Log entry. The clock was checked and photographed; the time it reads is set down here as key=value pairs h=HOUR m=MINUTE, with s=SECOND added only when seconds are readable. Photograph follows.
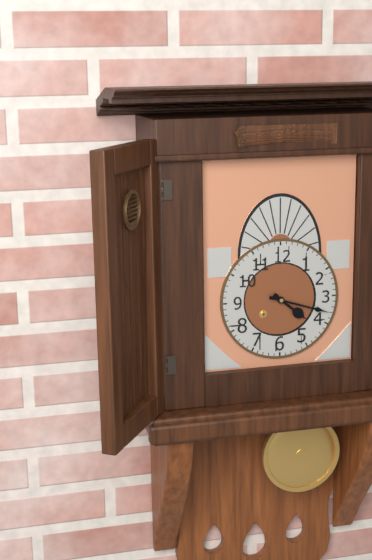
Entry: h=4 m=18
